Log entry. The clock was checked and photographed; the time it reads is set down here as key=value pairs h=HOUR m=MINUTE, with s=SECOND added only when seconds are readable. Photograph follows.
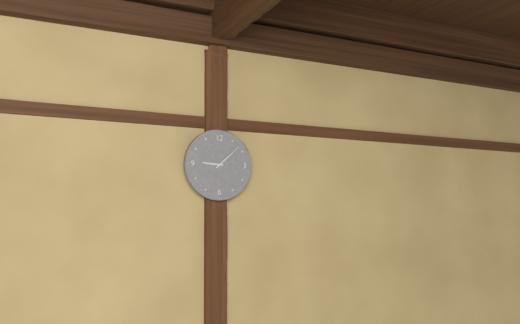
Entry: h=9 m=8
